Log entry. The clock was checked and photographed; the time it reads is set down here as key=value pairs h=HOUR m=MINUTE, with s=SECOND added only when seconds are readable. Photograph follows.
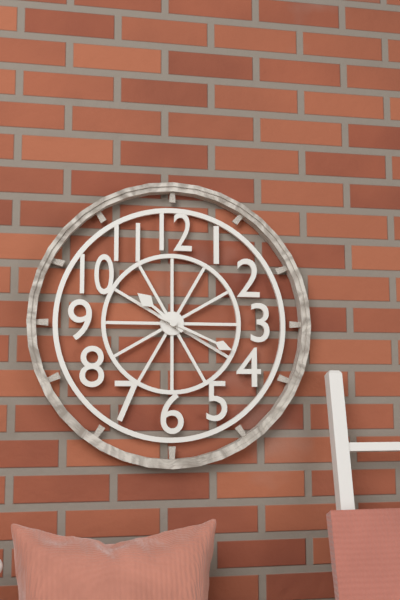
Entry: h=10 m=19
